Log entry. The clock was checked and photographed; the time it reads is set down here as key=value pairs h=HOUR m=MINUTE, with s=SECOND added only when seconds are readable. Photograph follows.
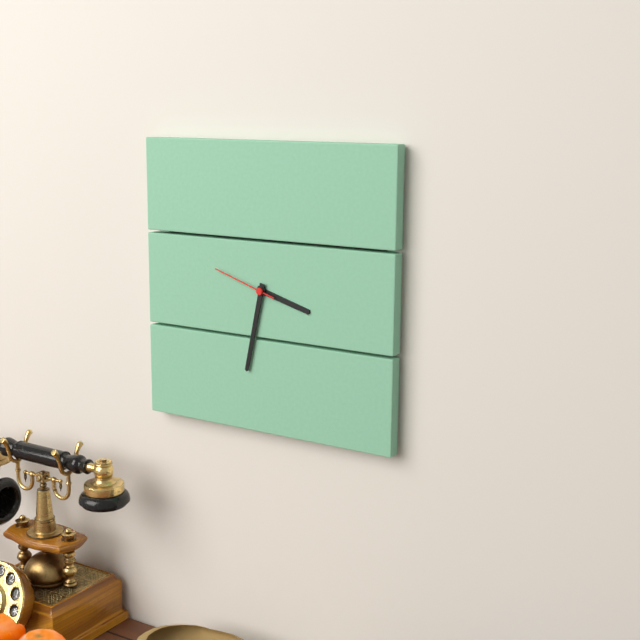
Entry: h=3 m=32 s=48
